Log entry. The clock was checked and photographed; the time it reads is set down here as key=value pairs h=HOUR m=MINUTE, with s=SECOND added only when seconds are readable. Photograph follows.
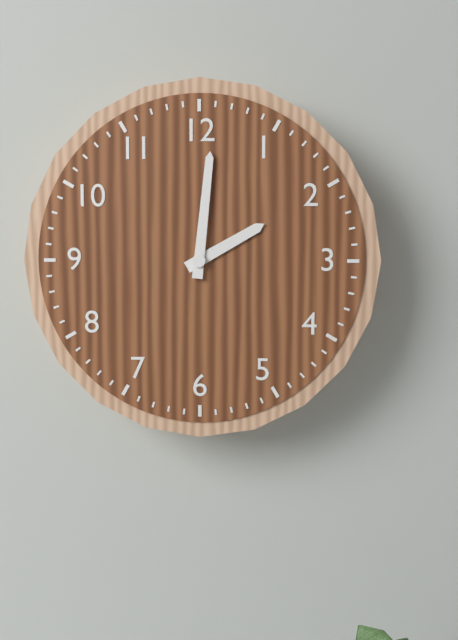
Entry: h=2 m=1
